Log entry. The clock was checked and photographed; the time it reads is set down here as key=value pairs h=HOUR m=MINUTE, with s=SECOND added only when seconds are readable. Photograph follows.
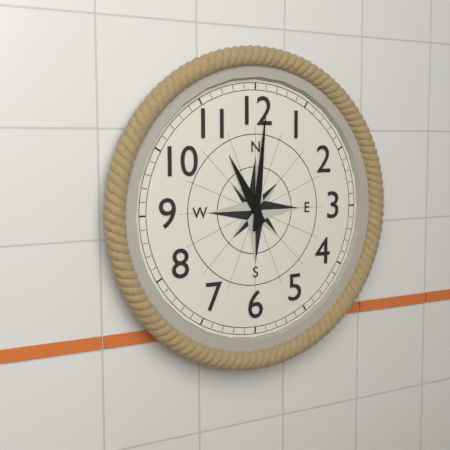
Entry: h=11 m=1
